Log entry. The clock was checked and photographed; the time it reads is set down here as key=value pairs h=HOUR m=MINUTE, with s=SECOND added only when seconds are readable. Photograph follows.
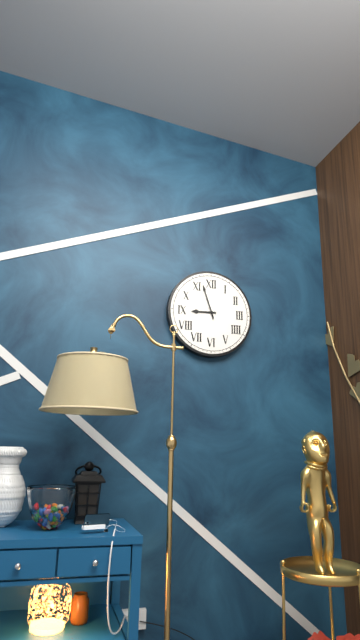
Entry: h=8 m=57
